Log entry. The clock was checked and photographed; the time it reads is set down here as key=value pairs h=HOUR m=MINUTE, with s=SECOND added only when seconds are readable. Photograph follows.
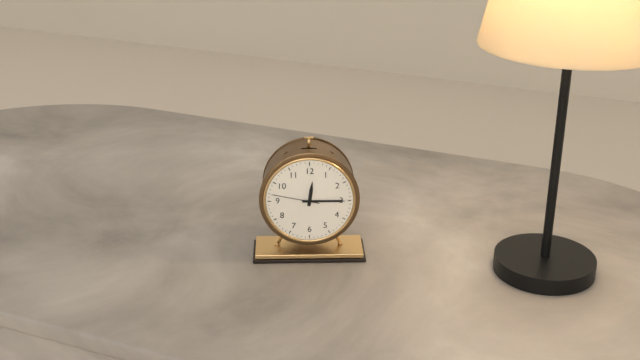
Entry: h=12 m=15
